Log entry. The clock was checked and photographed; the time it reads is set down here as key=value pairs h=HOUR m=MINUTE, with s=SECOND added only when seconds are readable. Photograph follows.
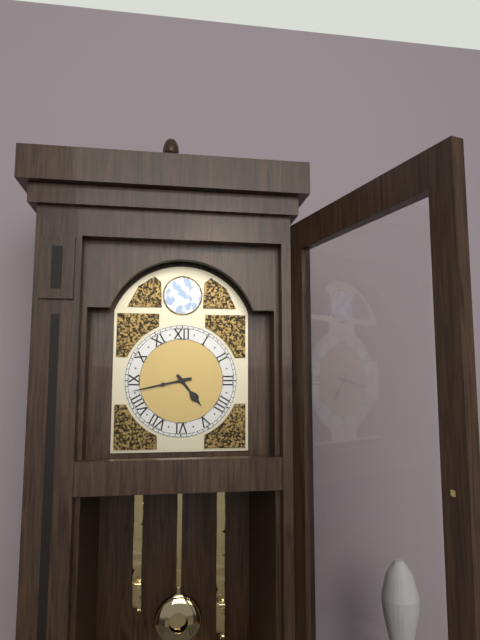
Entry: h=4 m=43
